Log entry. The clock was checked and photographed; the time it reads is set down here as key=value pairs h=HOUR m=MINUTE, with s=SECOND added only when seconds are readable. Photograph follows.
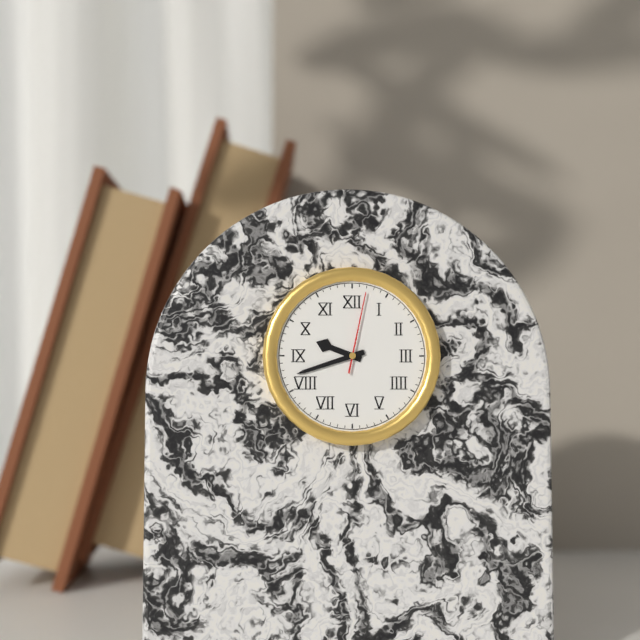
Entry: h=9 m=42 s=2
